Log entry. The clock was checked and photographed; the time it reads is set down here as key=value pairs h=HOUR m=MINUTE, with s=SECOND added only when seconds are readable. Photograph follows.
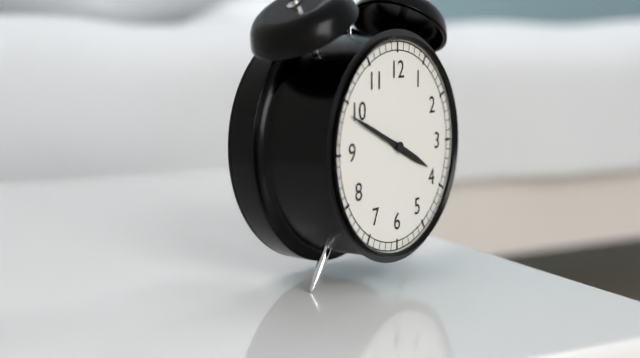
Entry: h=3 m=49
